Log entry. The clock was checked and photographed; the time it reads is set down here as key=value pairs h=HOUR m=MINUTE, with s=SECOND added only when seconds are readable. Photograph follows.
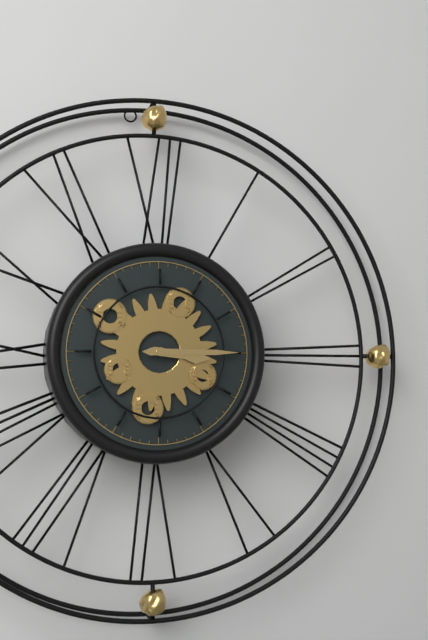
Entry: h=3 m=15
